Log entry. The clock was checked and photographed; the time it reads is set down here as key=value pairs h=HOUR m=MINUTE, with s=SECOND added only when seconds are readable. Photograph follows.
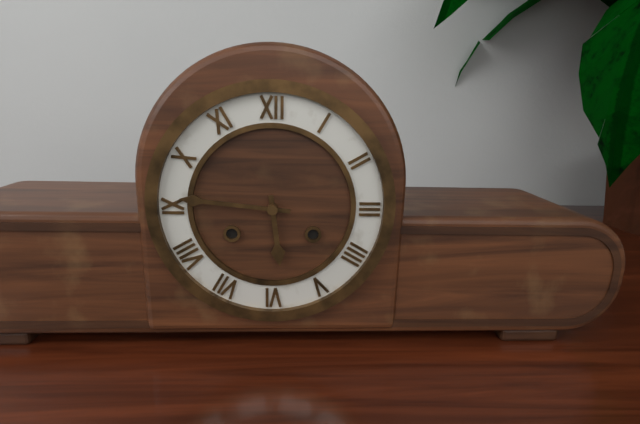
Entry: h=5 m=46
